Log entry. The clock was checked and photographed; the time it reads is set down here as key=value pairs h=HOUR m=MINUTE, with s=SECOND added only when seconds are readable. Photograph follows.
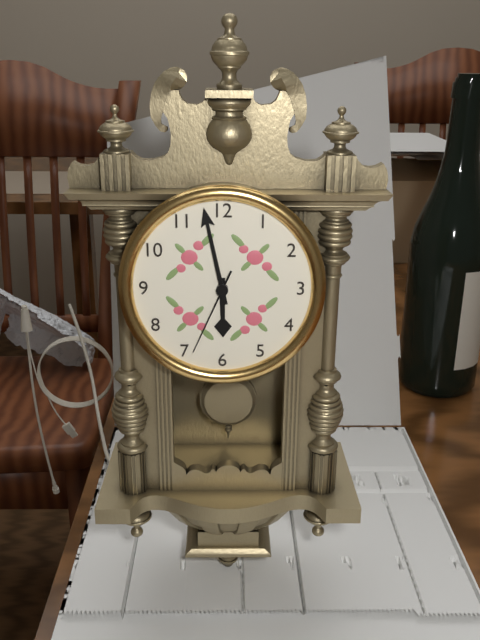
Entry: h=5 m=58 s=34
